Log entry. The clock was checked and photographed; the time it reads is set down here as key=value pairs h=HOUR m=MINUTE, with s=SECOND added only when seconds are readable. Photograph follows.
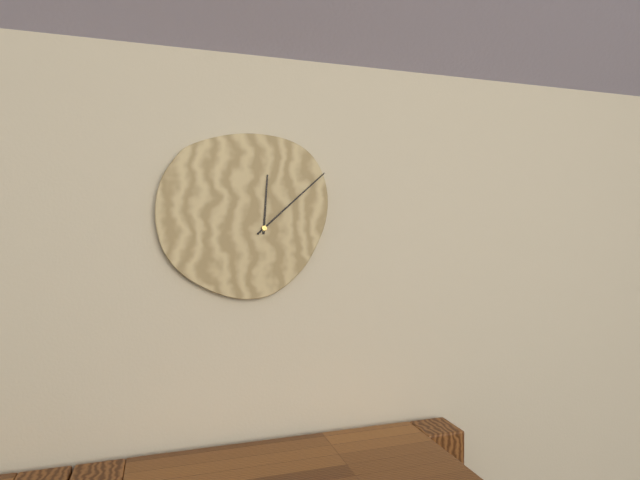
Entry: h=12 m=8
